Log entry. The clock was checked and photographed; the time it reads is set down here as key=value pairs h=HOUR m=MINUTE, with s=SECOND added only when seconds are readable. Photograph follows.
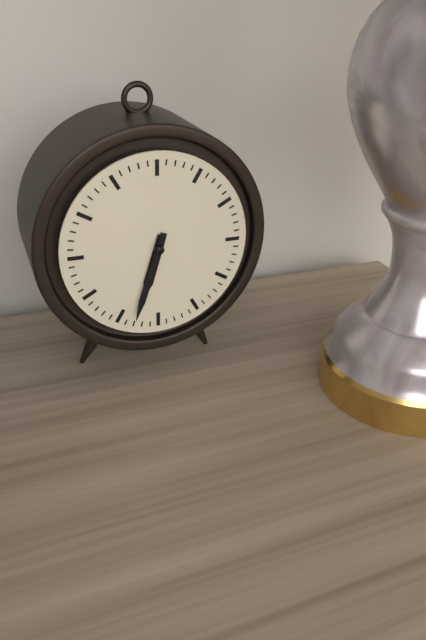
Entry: h=6 m=33
